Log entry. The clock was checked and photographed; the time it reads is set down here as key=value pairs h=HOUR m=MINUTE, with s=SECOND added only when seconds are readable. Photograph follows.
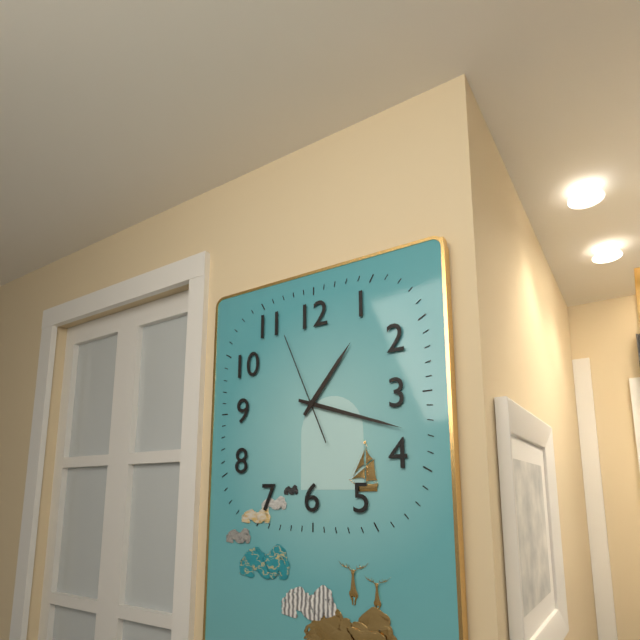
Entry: h=1 m=18 s=56
